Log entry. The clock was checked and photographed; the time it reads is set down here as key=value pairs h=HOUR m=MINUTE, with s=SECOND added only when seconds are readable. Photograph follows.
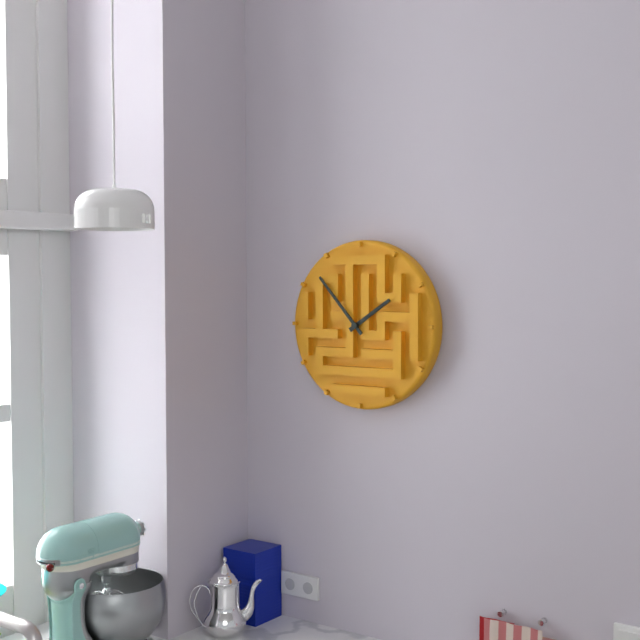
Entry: h=1 m=53
